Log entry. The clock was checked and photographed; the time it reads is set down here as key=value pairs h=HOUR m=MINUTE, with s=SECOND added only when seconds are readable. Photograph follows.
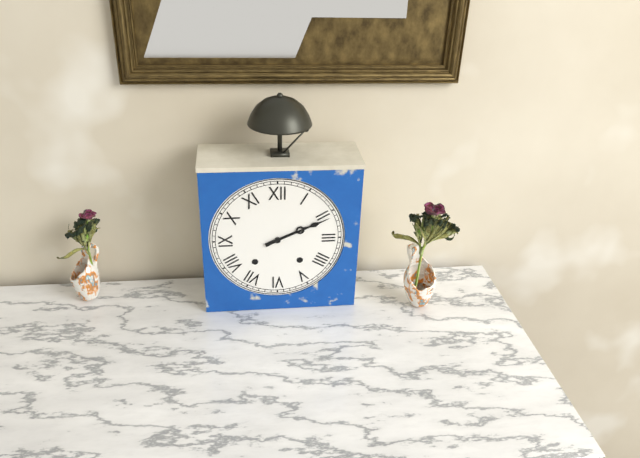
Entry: h=2 m=11
